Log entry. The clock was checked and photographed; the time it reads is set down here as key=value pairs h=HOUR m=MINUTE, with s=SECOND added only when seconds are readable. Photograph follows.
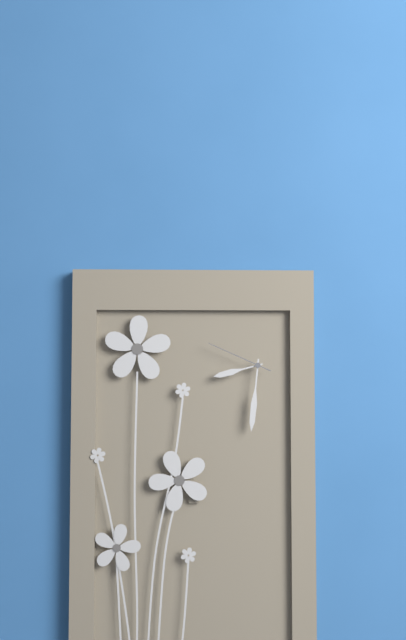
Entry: h=8 m=31 s=49
